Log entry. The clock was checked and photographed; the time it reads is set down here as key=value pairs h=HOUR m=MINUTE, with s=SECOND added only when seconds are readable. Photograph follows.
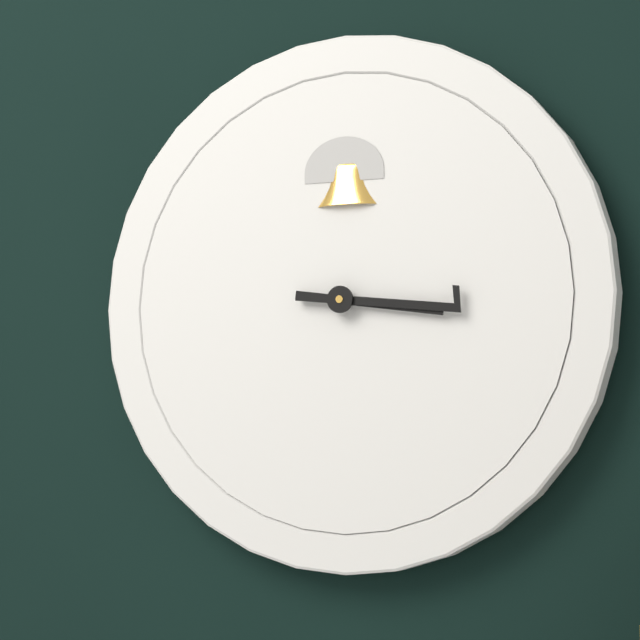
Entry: h=3 m=16
